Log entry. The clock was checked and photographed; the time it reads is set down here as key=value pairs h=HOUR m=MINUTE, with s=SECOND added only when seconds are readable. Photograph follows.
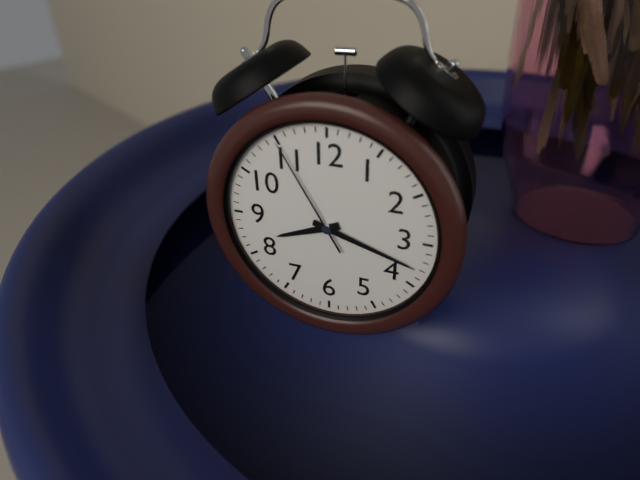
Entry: h=8 m=18 s=55
